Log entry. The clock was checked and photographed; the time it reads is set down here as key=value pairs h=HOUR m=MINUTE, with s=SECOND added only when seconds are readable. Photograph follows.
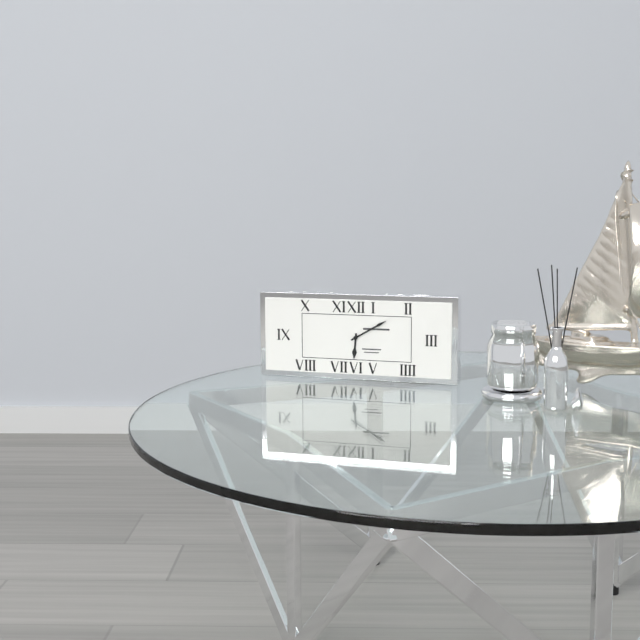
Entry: h=6 m=10
